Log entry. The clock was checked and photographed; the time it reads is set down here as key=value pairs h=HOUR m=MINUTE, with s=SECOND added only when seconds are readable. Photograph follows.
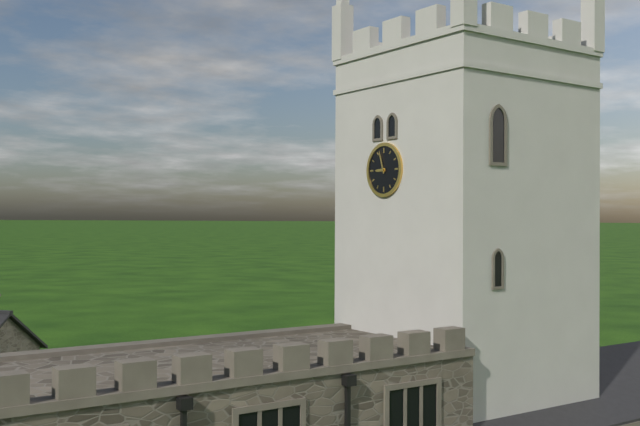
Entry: h=8 m=57
